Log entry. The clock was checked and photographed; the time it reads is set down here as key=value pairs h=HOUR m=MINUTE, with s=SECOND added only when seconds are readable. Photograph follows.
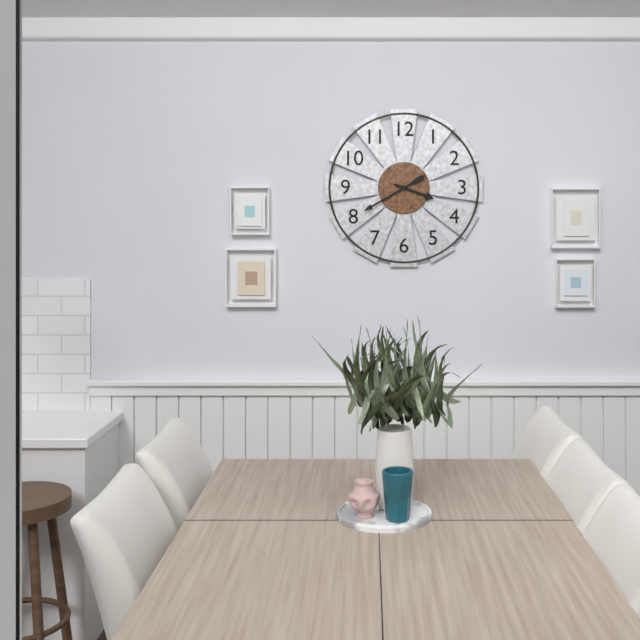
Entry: h=3 m=40
